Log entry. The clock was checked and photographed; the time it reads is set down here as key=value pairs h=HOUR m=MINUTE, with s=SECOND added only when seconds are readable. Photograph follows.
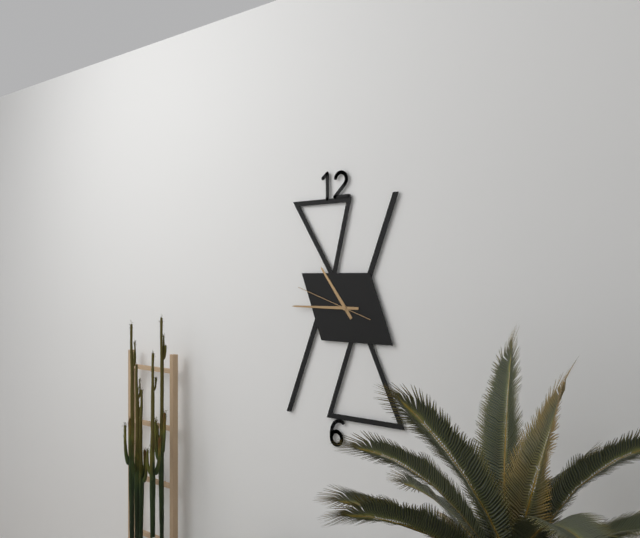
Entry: h=10 m=45 s=48
